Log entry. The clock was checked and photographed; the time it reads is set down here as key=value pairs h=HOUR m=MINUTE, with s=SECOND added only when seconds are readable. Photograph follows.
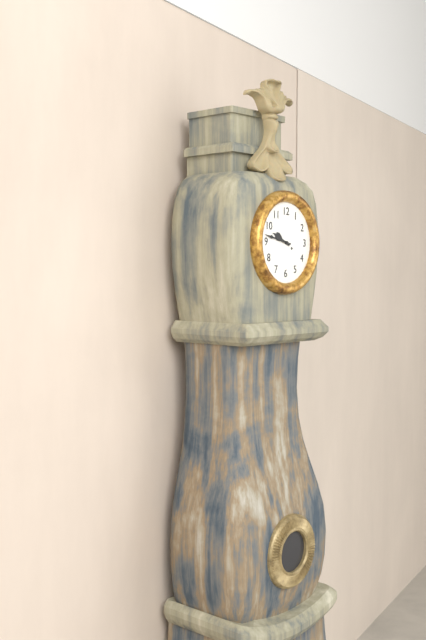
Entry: h=9 m=47
